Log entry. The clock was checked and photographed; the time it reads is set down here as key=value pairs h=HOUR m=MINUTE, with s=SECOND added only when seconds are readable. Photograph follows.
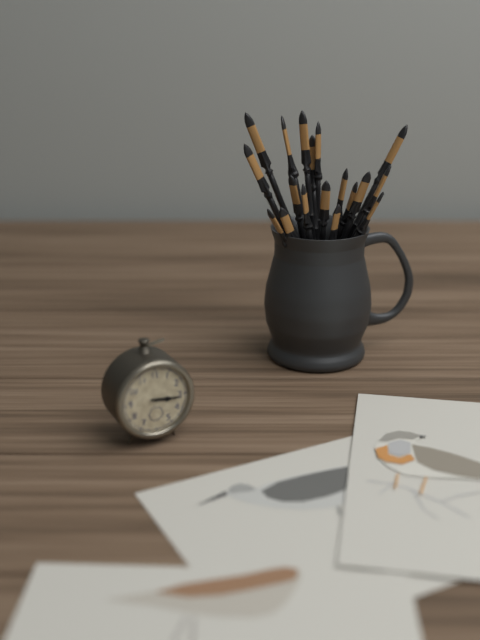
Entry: h=3 m=16
